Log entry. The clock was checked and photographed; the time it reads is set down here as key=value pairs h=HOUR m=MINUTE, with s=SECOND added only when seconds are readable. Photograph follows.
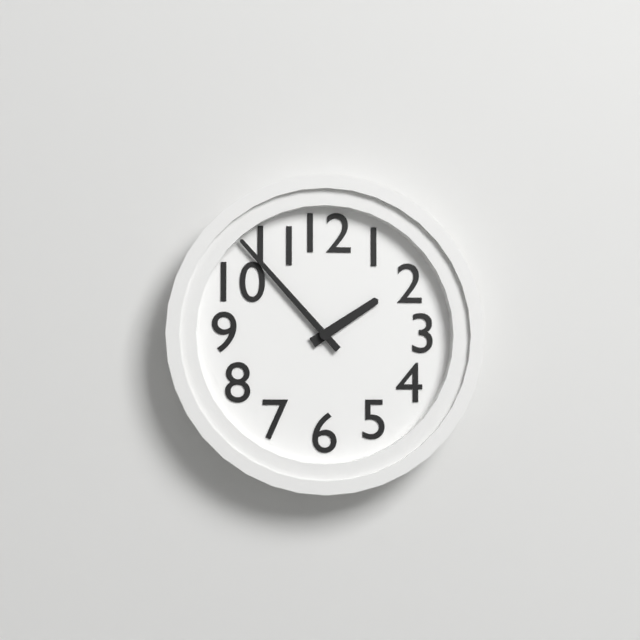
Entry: h=1 m=53
